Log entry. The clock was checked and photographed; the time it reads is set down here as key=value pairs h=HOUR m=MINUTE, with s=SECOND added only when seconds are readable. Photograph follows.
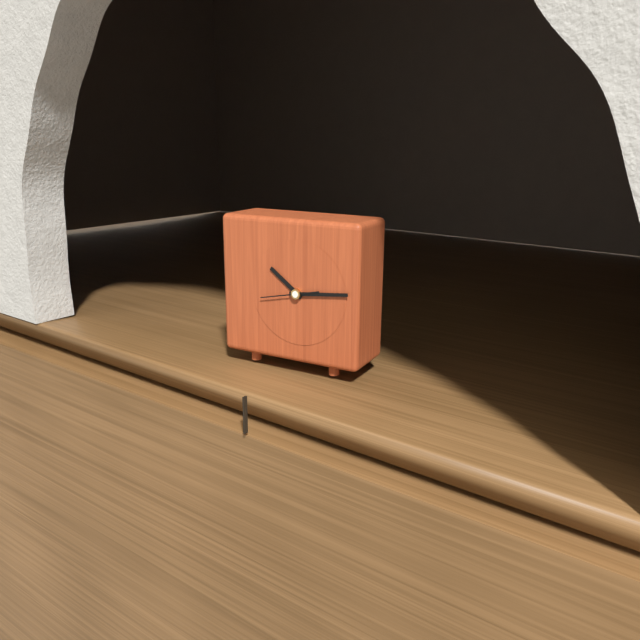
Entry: h=10 m=14
